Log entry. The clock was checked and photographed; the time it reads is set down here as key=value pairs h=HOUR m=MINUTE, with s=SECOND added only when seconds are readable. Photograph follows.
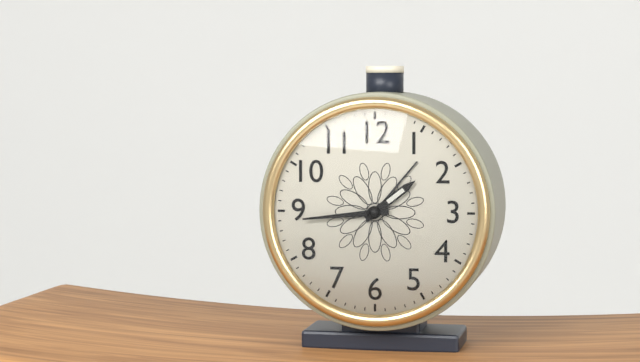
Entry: h=1 m=44
